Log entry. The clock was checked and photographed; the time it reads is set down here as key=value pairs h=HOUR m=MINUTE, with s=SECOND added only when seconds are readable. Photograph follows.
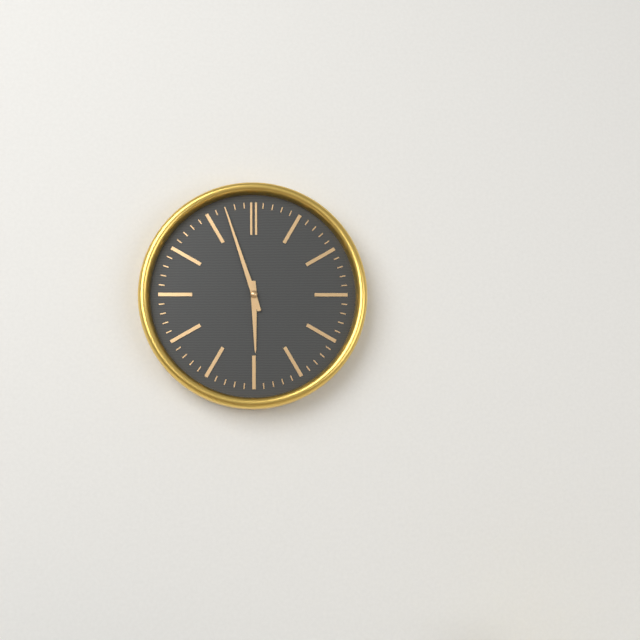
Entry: h=5 m=57
